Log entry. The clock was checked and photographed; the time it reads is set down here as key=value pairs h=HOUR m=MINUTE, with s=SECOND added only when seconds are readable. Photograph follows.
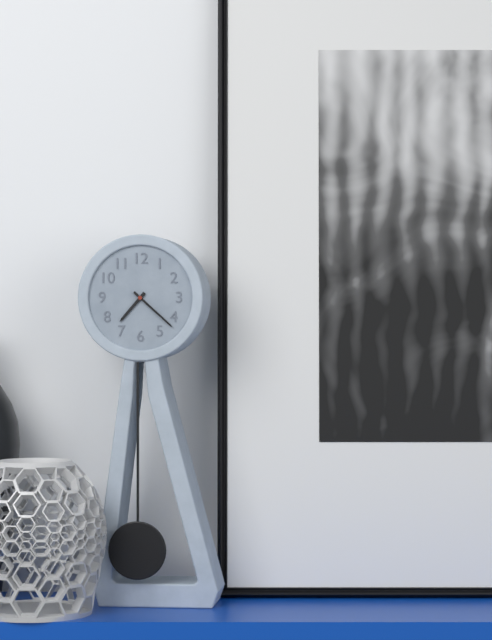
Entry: h=7 m=22
